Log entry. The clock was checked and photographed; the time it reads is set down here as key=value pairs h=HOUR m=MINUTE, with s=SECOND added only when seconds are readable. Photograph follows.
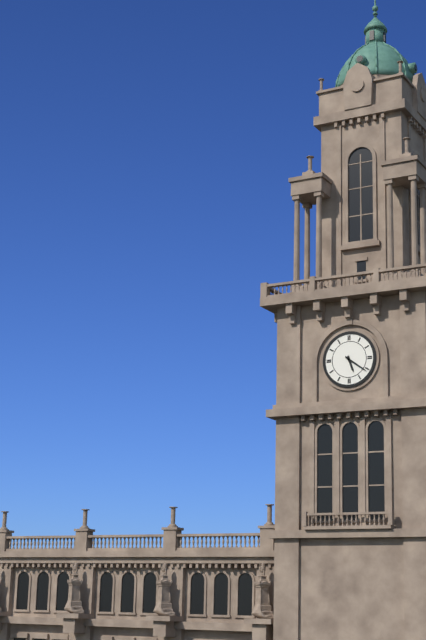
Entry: h=5 m=21
